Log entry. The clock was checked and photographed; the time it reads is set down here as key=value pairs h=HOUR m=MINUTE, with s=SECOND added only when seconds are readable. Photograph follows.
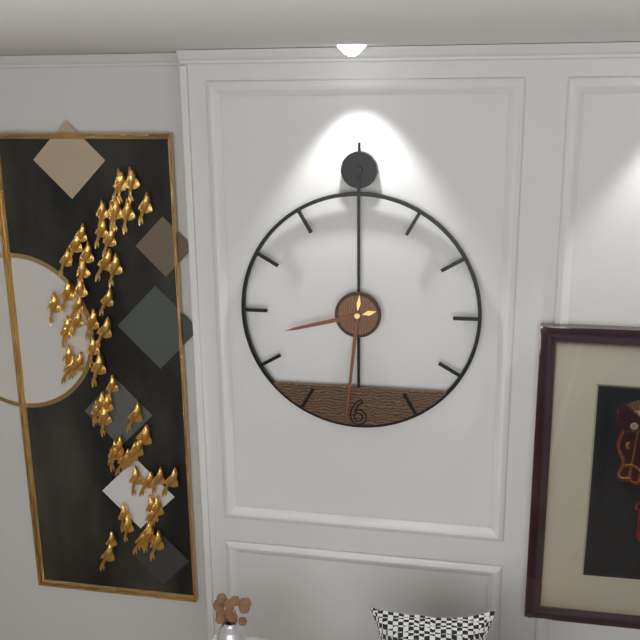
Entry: h=8 m=31
